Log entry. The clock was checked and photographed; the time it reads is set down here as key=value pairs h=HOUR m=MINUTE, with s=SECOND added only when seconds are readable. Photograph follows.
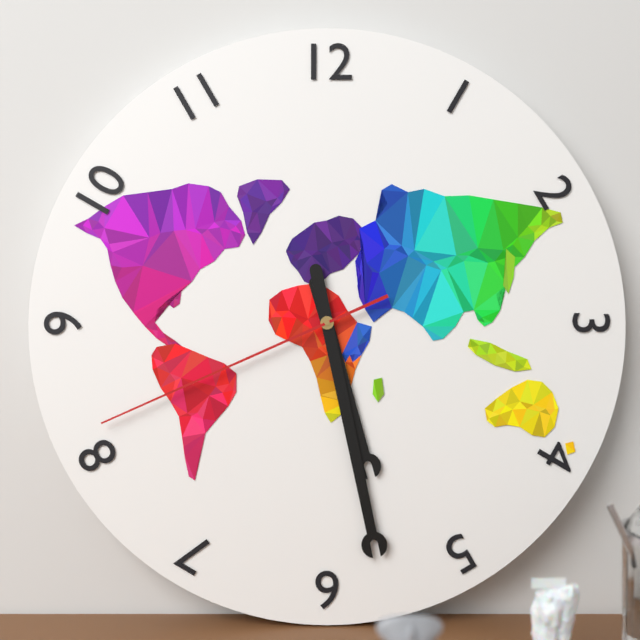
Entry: h=5 m=28 s=41
